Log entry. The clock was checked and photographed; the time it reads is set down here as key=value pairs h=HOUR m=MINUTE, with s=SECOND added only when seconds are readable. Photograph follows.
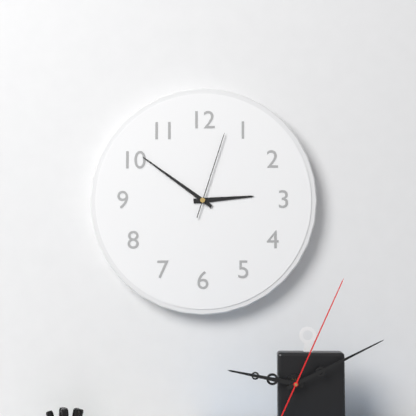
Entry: h=2 m=51 s=3
